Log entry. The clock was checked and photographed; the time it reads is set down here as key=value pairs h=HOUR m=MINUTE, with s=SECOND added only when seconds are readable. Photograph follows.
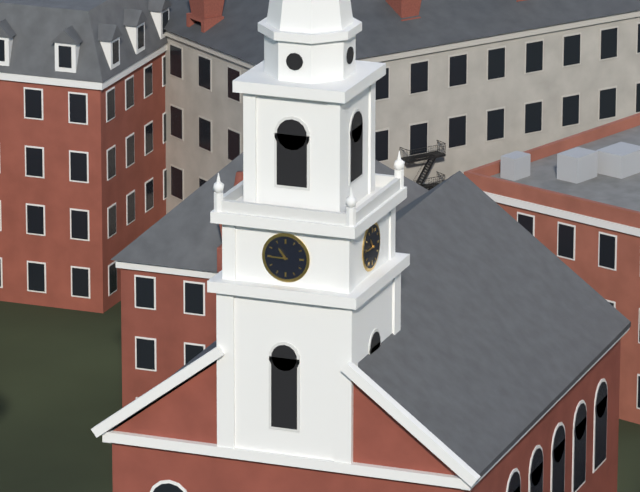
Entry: h=10 m=45
